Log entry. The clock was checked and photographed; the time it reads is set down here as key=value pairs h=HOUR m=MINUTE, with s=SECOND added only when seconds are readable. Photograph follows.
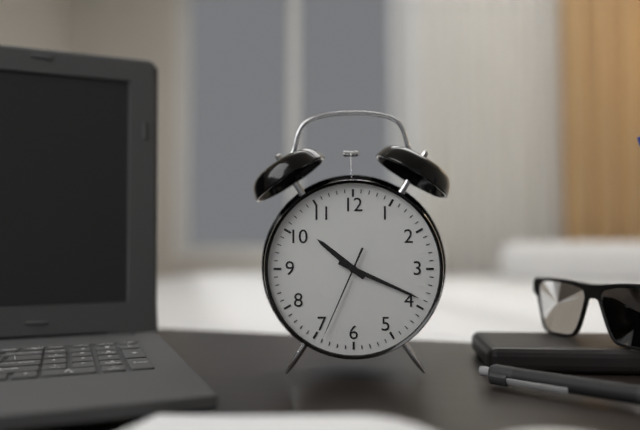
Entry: h=10 m=19 s=34
